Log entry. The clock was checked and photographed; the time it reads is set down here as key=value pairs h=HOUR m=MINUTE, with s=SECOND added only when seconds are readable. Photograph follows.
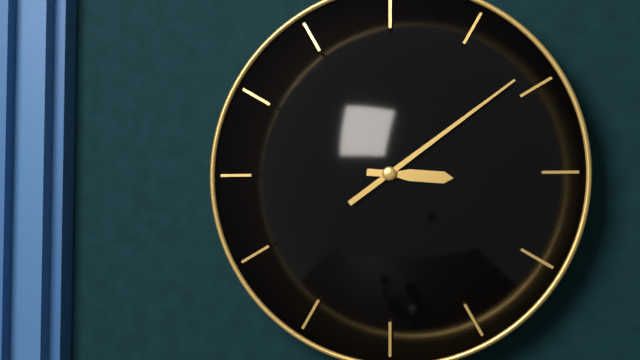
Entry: h=3 m=9
